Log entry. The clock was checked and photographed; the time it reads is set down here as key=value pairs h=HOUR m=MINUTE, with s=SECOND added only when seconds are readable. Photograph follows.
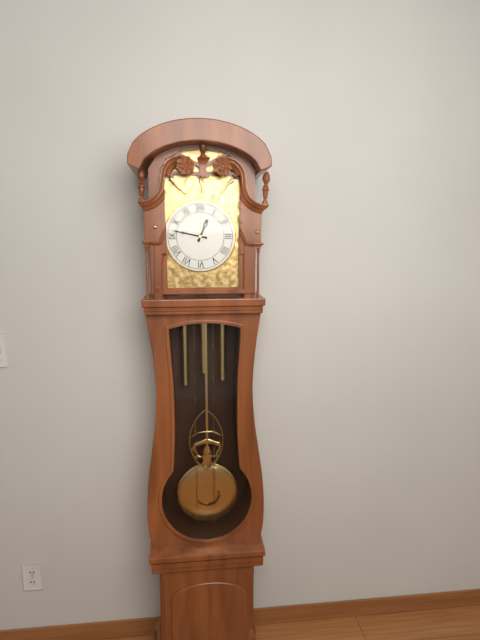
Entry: h=12 m=47
